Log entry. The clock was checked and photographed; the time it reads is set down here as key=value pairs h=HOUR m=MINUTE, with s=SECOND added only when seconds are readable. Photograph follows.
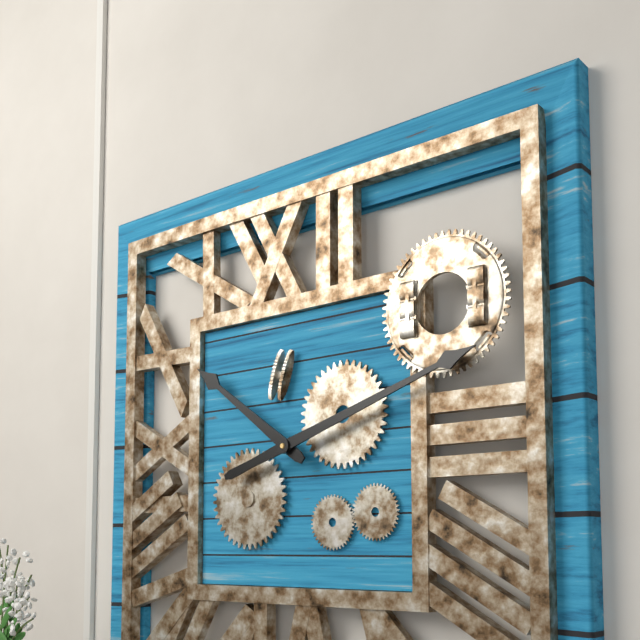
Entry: h=10 m=12
